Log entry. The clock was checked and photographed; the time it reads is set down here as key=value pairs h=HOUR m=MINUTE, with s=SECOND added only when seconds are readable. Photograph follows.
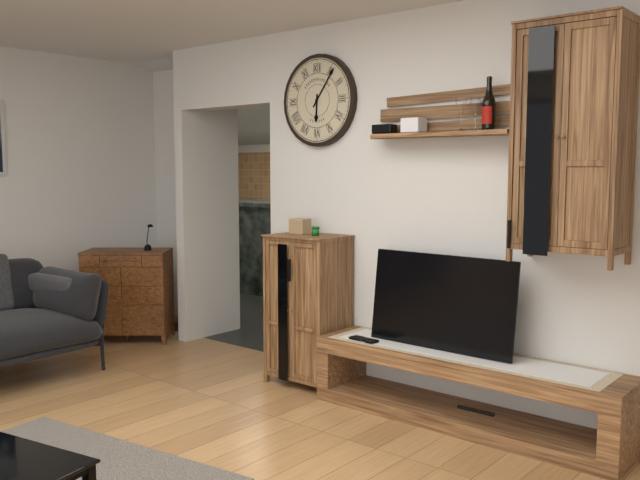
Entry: h=6 m=6
